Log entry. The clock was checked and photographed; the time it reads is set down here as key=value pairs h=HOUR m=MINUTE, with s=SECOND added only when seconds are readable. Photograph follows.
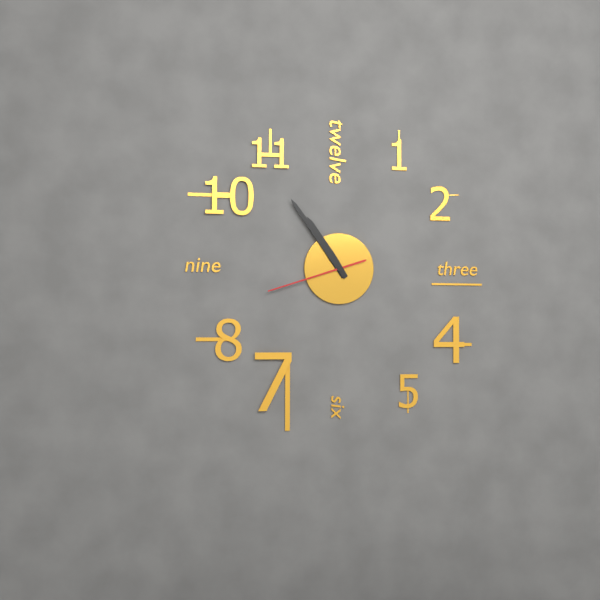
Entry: h=10 m=54 s=42
